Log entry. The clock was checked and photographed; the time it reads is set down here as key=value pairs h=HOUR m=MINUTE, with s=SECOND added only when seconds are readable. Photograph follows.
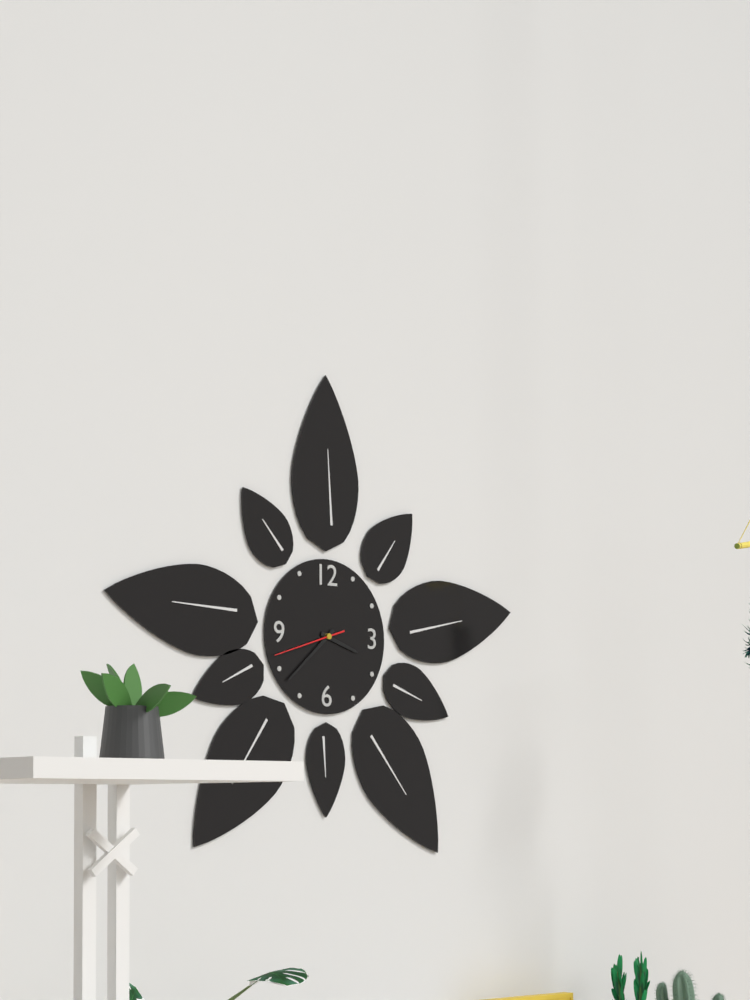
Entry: h=3 m=38 s=42
